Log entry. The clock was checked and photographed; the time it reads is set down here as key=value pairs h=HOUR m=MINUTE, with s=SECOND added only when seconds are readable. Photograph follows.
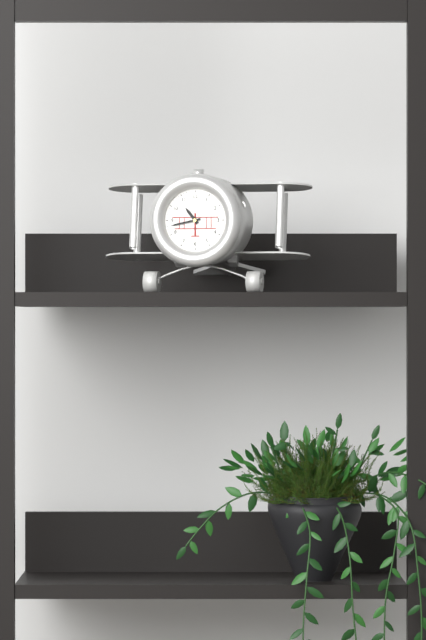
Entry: h=10 m=43
